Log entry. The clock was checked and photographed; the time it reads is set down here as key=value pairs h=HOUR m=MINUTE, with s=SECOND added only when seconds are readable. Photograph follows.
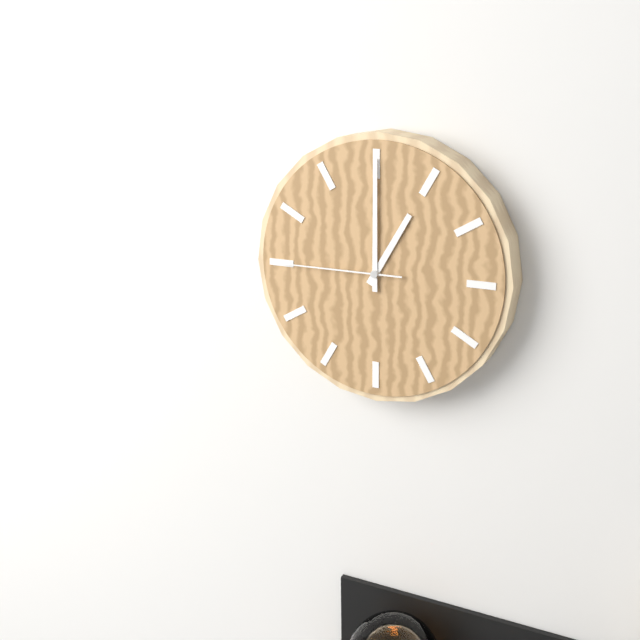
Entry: h=1 m=0 s=45
